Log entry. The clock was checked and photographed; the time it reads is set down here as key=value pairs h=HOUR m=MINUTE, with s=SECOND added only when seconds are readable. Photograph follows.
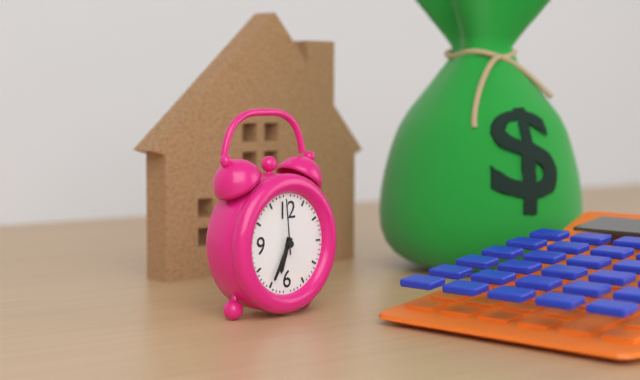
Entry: h=6 m=35 s=59
